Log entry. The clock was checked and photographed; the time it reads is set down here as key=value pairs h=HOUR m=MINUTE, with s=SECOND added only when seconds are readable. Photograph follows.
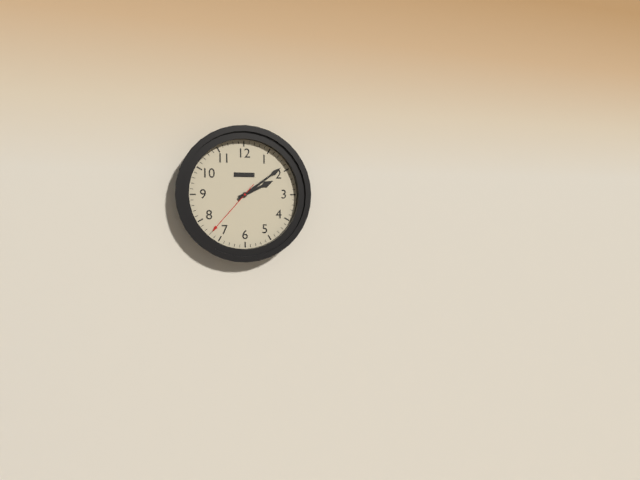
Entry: h=2 m=9 s=37
